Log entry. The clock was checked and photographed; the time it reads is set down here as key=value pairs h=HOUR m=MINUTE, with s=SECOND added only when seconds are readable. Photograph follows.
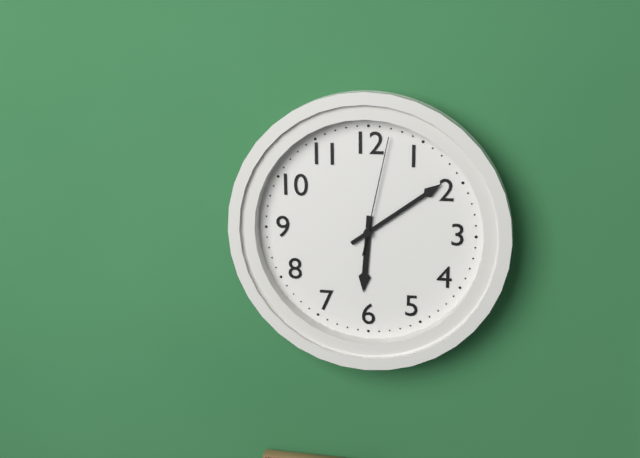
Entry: h=6 m=9 s=2
